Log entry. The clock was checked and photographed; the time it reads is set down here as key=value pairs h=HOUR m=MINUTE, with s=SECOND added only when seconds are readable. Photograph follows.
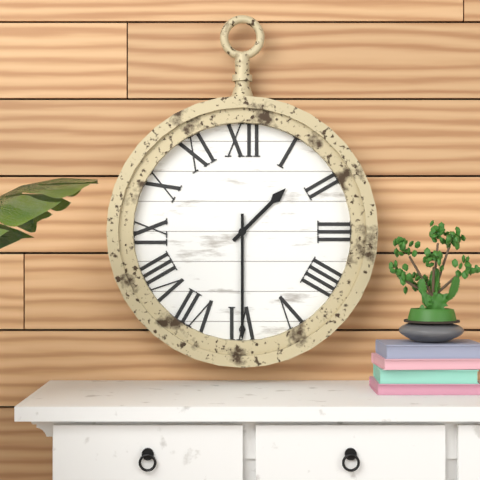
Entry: h=1 m=30
